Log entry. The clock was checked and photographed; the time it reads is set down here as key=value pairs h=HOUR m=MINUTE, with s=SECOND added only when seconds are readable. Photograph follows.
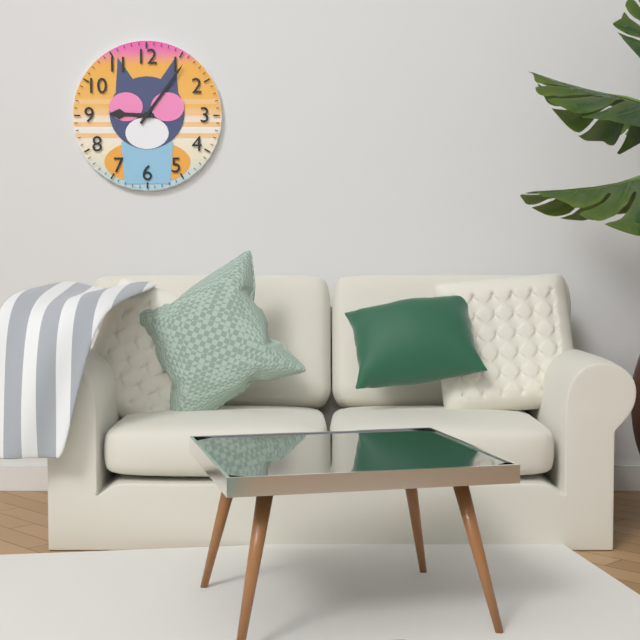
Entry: h=9 m=6
